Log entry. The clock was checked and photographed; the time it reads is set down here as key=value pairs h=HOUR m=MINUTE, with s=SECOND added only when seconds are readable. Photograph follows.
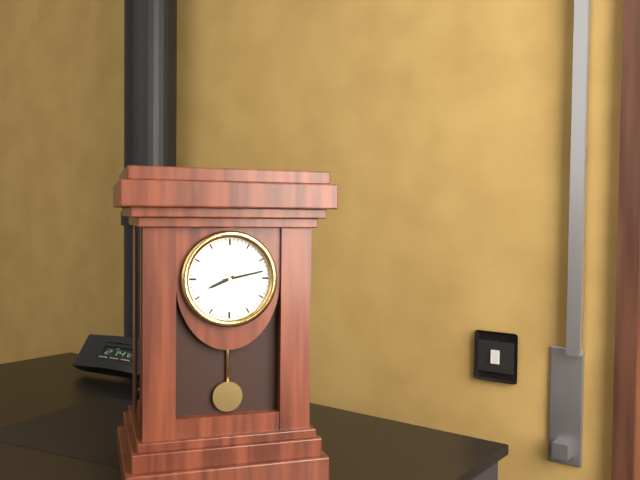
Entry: h=8 m=13
